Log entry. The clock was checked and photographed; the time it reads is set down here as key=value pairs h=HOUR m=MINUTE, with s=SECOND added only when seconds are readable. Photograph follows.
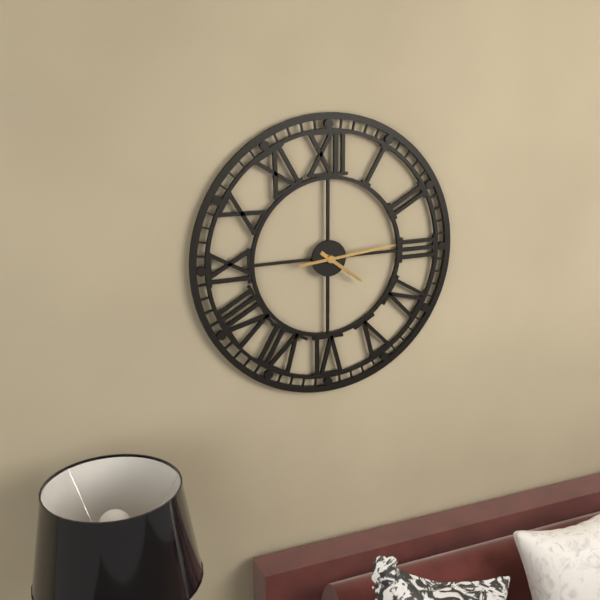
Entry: h=4 m=14
